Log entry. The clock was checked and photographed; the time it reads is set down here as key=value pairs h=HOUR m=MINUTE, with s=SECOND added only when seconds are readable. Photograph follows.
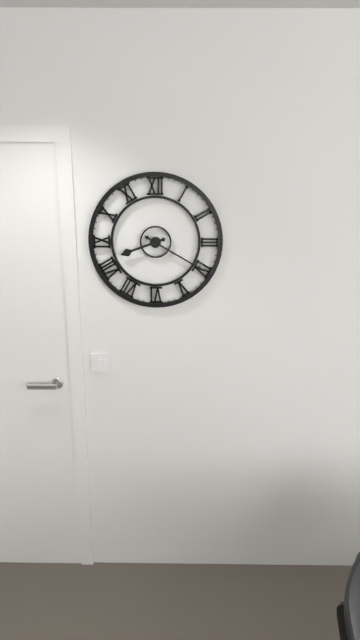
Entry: h=8 m=20
